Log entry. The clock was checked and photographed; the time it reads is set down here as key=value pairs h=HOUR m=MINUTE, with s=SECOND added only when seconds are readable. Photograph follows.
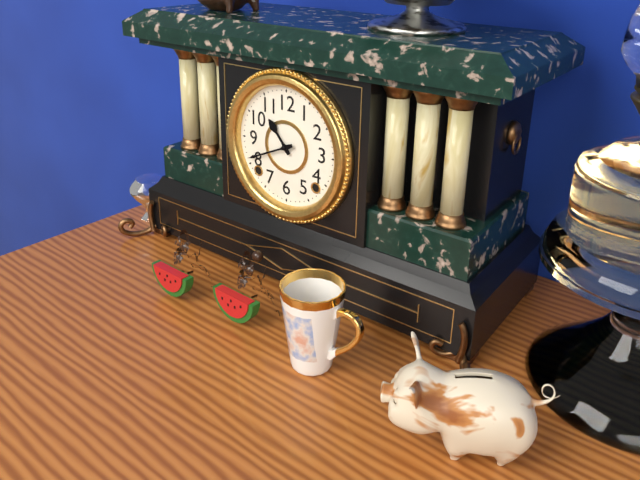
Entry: h=10 m=41
